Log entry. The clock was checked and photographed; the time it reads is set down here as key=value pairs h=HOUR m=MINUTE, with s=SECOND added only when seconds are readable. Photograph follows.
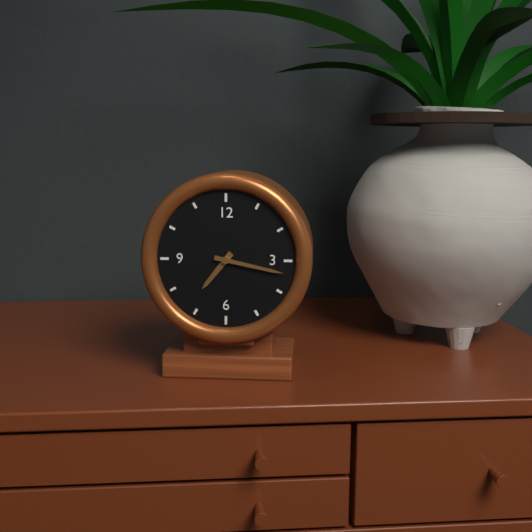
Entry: h=7 m=17
